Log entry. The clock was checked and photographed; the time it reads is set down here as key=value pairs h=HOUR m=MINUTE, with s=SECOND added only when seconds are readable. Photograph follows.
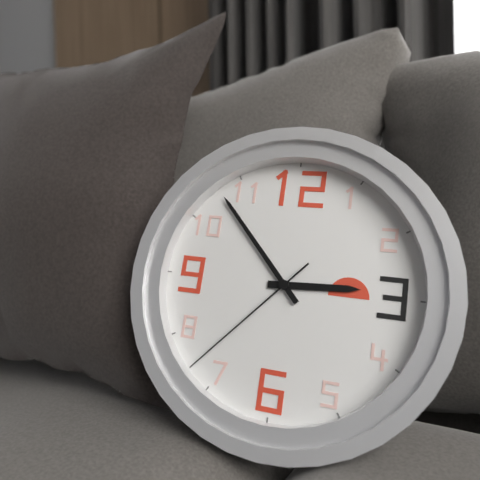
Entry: h=2 m=53 s=37
